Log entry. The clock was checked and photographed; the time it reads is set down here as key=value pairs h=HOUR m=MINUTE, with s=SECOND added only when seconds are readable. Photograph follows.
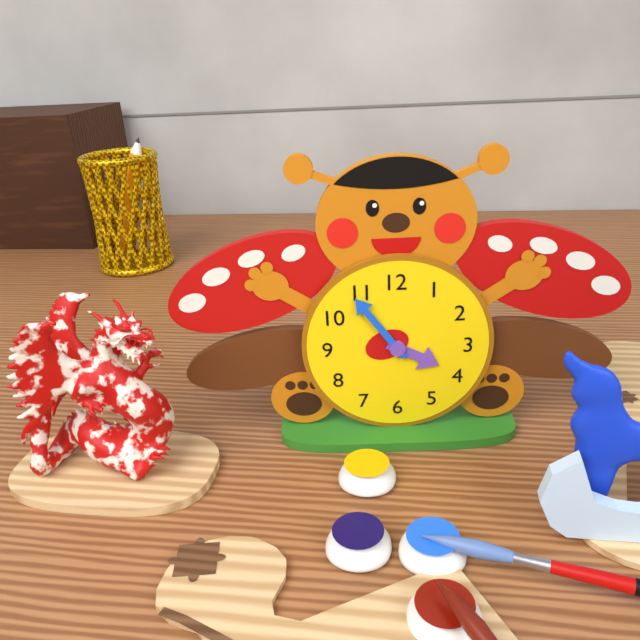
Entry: h=3 m=54
